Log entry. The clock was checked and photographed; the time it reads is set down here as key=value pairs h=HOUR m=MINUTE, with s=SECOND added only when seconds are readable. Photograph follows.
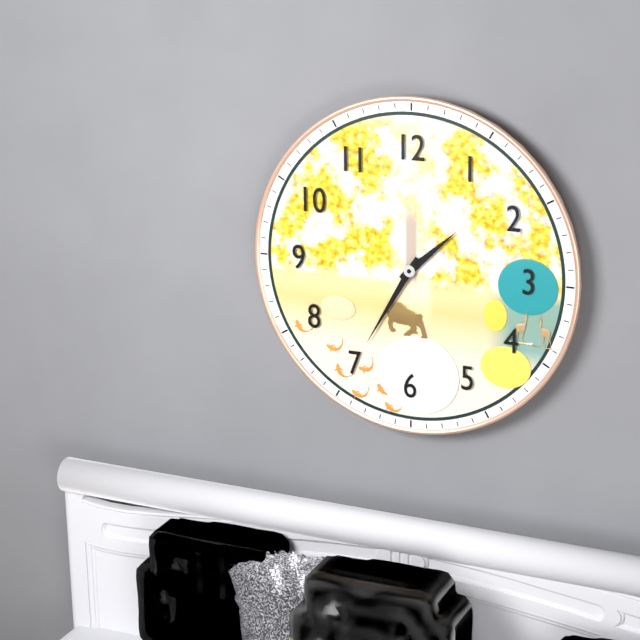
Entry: h=1 m=35
